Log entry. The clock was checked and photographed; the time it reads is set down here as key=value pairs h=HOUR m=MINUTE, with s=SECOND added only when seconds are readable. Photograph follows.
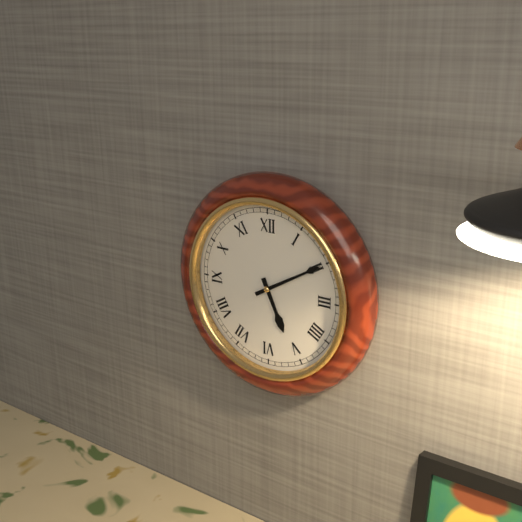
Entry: h=5 m=10
